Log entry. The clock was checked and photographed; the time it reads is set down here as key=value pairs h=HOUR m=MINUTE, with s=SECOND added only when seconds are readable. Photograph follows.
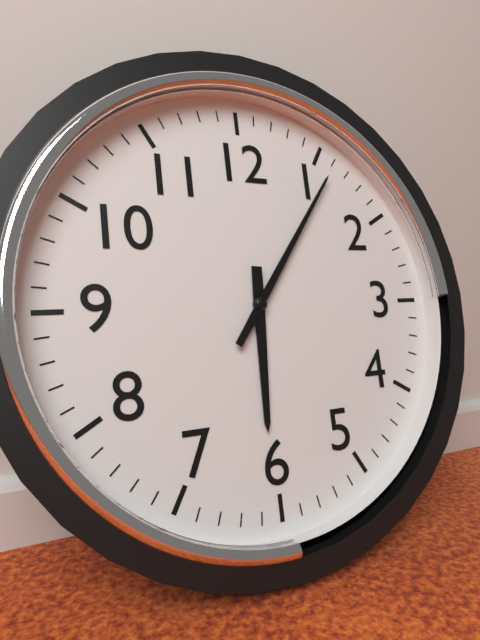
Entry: h=6 m=6
